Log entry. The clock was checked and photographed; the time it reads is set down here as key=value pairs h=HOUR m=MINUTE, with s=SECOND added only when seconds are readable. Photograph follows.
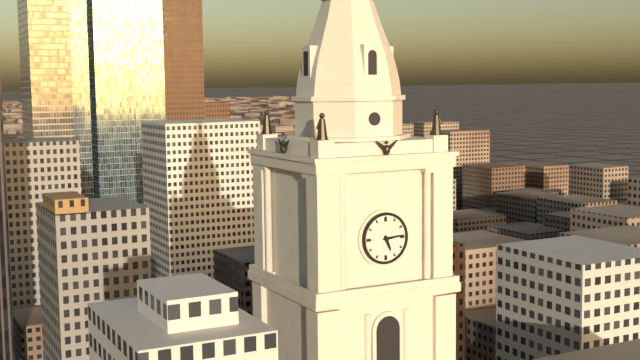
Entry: h=5 m=14
